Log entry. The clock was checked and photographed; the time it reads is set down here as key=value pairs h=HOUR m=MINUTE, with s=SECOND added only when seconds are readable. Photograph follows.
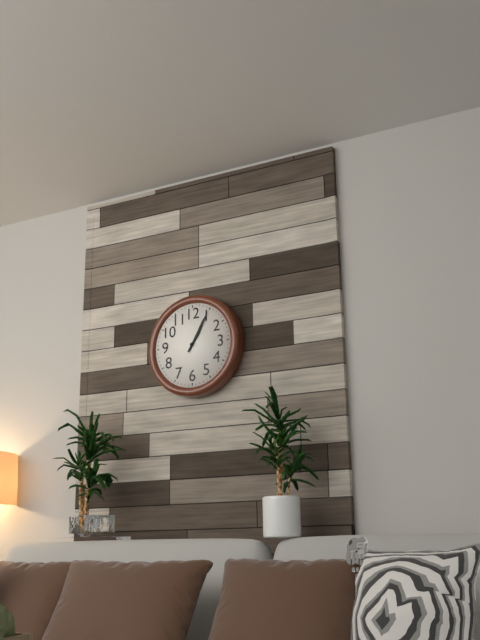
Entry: h=1 m=5
